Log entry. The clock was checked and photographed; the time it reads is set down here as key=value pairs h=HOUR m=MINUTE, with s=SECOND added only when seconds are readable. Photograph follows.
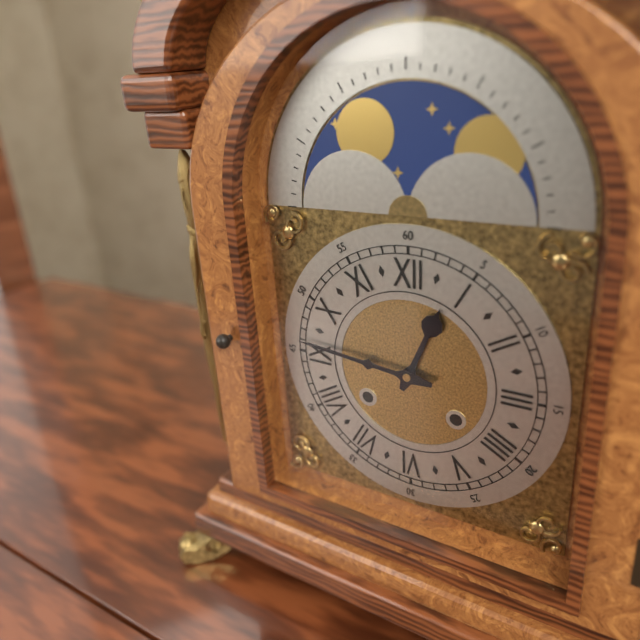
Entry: h=12 m=46
